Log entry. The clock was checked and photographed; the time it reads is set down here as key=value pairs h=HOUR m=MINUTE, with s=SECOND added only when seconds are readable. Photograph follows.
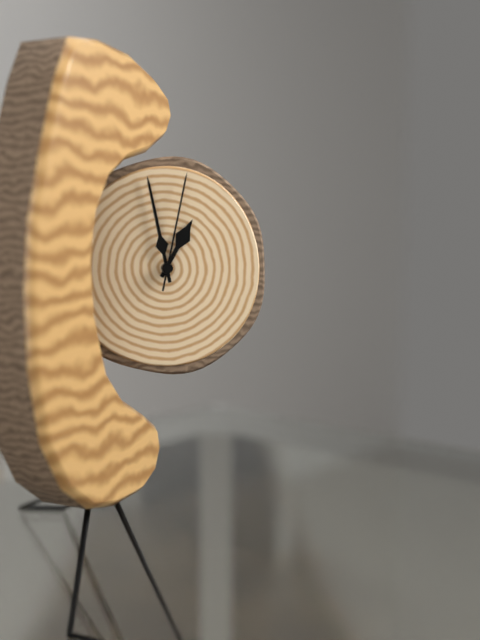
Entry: h=12 m=58 s=2
